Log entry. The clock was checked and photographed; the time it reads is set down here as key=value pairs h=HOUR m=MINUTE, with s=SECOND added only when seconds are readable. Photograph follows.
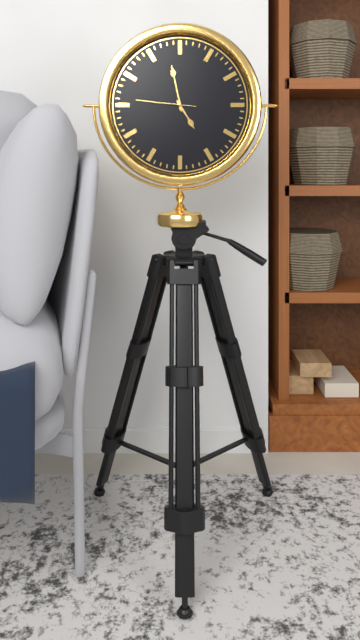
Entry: h=4 m=58 s=46
